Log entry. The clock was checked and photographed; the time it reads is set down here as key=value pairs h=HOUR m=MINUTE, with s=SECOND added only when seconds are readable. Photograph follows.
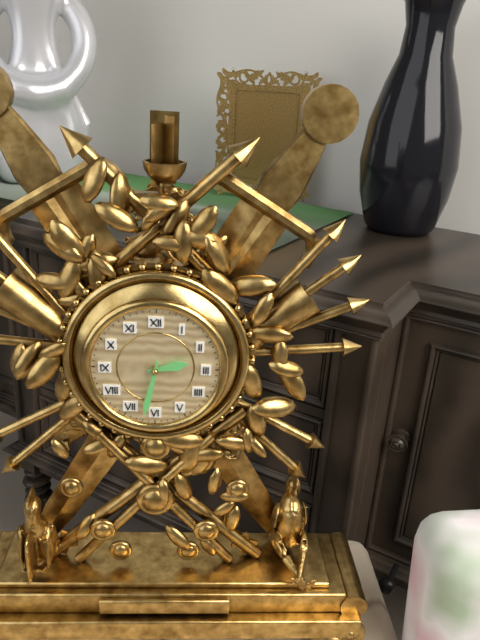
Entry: h=2 m=32
